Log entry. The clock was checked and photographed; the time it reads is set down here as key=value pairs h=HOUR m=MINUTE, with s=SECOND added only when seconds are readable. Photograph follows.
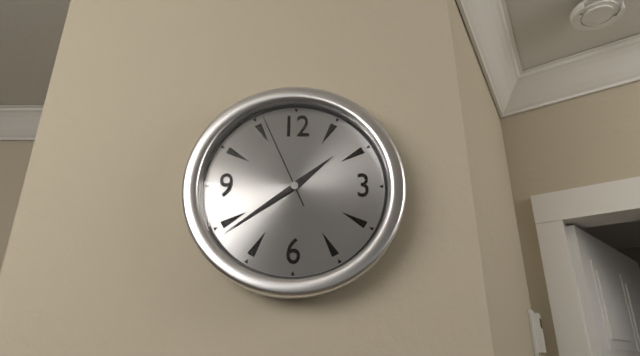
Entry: h=1 m=39 s=56
